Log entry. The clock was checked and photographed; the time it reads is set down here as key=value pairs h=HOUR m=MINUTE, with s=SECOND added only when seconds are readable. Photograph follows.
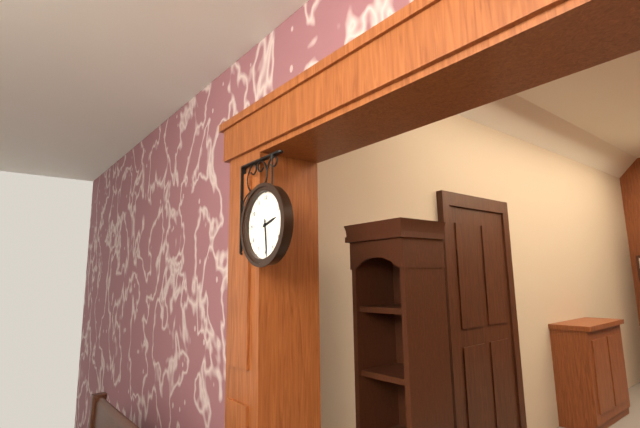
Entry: h=2 m=29
